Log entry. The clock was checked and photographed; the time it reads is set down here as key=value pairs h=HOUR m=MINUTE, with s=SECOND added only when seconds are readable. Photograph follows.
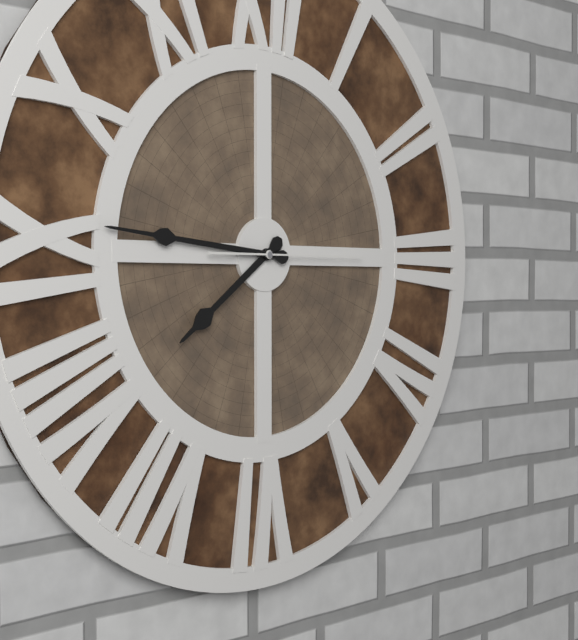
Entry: h=7 m=46 s=15
